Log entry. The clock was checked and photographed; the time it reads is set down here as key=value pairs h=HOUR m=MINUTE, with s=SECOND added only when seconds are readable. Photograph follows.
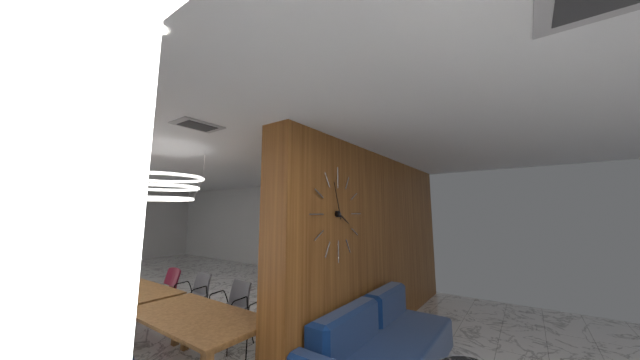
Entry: h=3 m=57
